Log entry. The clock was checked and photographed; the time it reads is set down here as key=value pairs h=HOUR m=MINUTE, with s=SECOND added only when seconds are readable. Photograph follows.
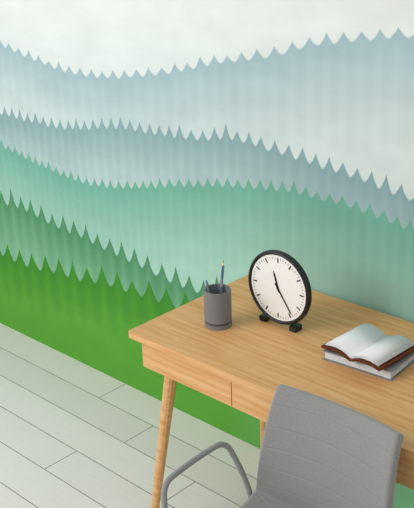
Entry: h=11 m=24
